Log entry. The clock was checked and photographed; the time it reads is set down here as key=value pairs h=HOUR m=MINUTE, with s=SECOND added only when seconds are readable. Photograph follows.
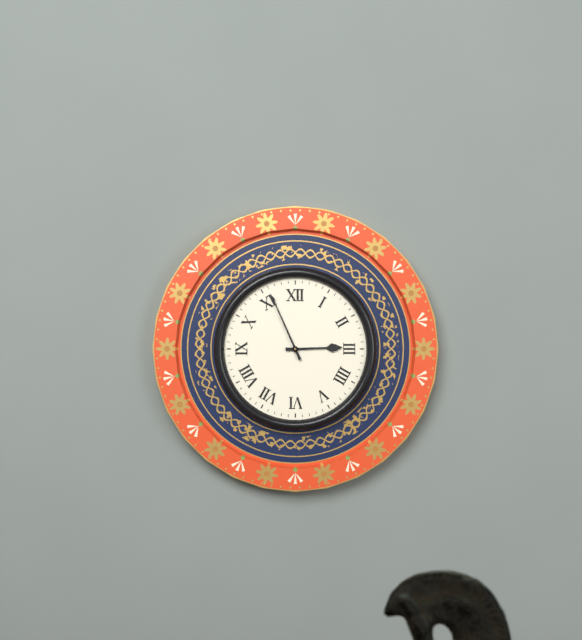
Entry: h=2 m=56
